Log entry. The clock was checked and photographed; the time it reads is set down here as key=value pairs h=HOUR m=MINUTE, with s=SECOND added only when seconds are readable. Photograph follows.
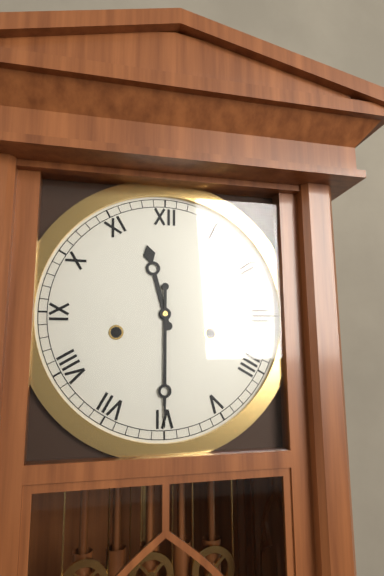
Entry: h=11 m=30
